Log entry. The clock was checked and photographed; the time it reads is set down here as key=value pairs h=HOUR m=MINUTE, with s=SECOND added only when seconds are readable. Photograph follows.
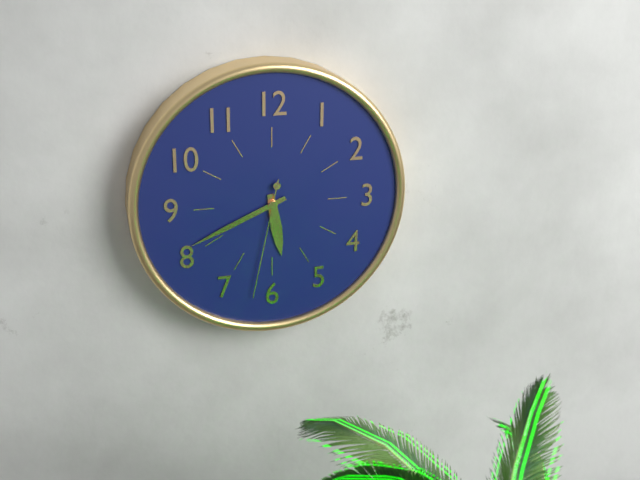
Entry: h=5 m=41 s=32
